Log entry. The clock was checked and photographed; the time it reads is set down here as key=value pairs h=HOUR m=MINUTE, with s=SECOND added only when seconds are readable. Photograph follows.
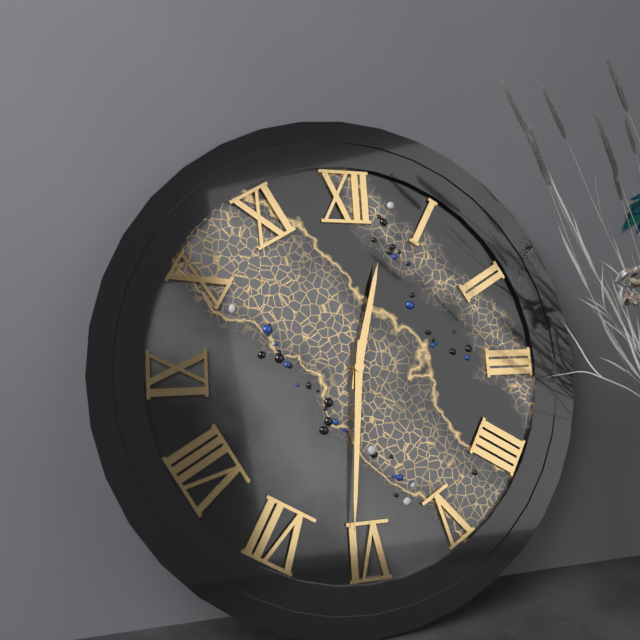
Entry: h=12 m=31
